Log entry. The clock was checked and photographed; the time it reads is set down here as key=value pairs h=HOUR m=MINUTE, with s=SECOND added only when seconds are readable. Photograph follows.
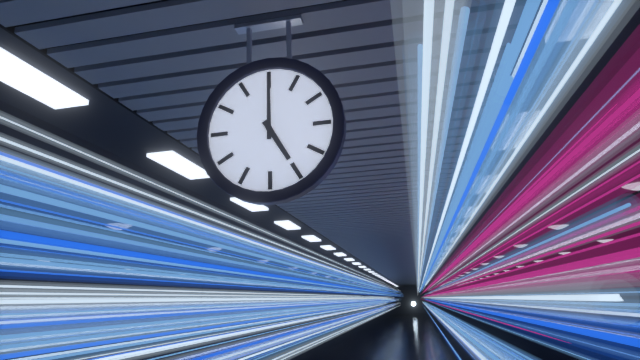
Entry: h=5 m=0
